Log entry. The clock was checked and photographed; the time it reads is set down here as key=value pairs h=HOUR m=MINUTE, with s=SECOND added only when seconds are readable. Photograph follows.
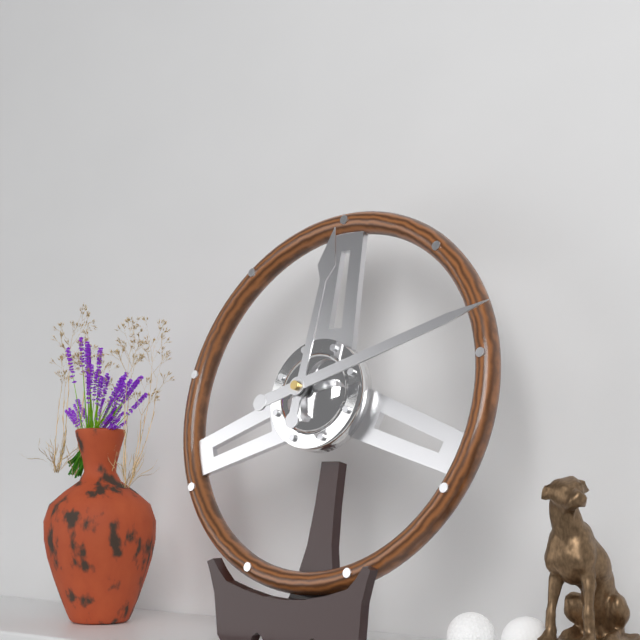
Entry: h=12 m=12
